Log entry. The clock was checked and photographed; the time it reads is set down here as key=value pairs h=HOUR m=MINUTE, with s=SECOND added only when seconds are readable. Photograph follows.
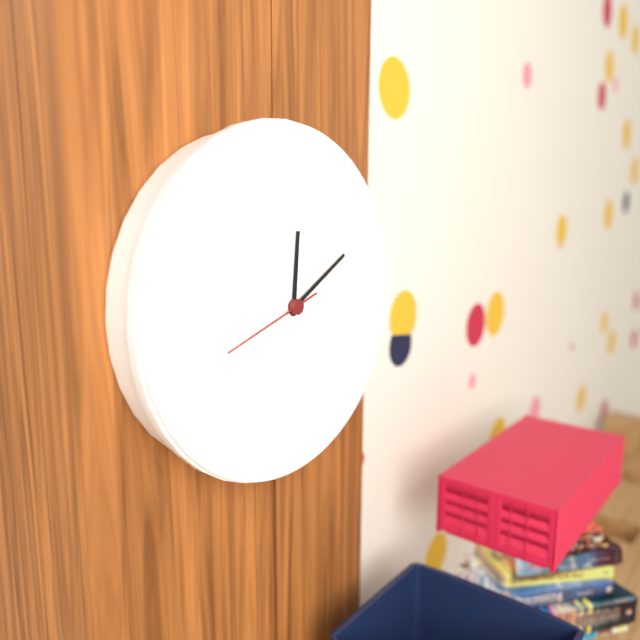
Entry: h=12 m=10 s=42
